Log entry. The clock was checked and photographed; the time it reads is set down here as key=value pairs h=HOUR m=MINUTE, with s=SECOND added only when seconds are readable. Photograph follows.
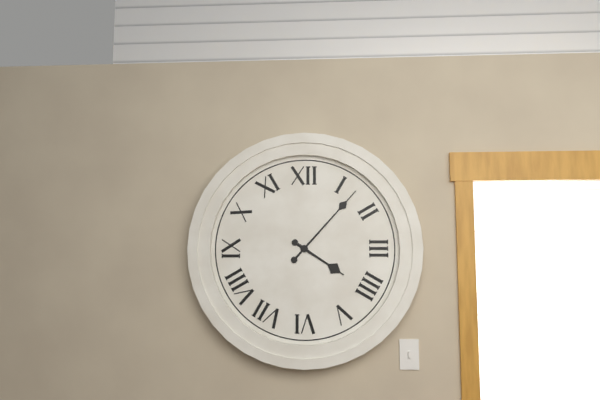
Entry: h=4 m=7
